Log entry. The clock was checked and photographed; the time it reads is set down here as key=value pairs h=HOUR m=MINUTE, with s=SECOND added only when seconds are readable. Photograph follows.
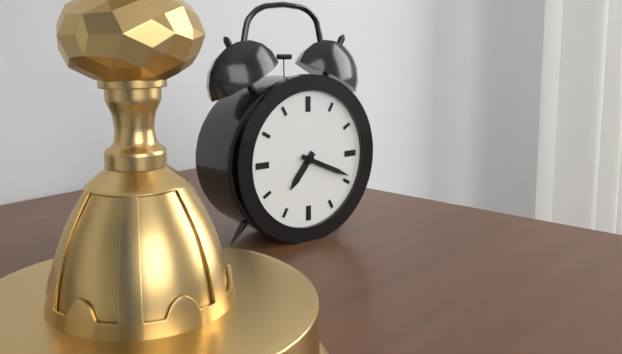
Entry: h=7 m=19
